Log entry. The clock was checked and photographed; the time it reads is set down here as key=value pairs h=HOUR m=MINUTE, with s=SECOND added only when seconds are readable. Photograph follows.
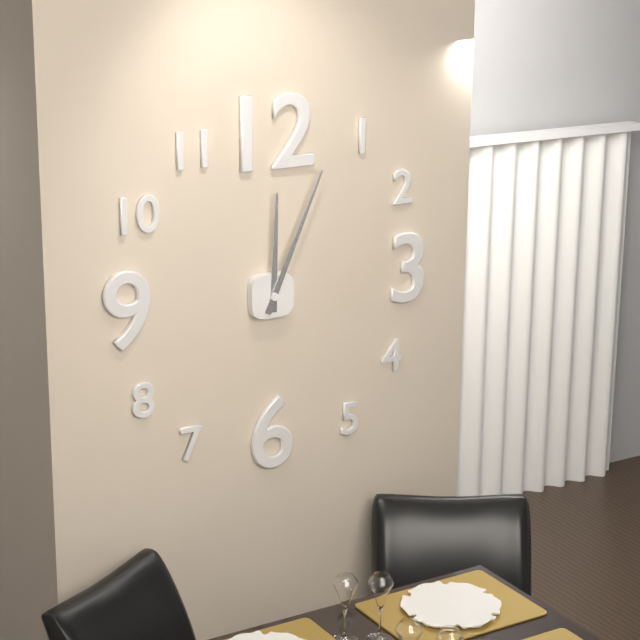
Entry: h=12 m=4
